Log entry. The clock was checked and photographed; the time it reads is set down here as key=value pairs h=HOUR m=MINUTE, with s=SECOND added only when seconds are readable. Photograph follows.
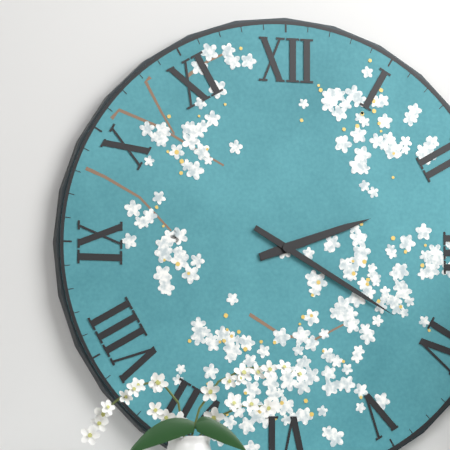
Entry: h=2 m=20
